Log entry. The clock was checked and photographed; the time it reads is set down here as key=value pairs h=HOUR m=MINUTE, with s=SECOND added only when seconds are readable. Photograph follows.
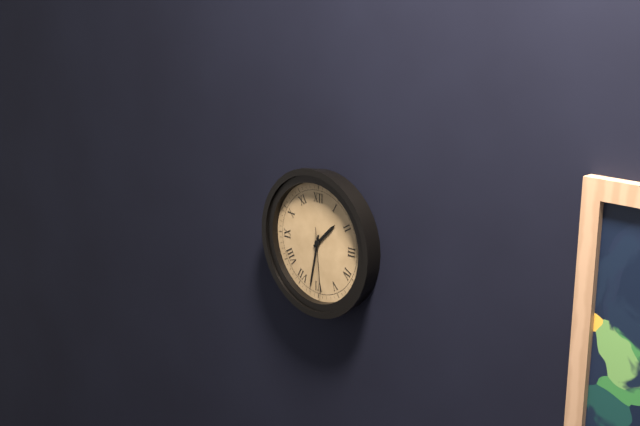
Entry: h=1 m=32 s=29
